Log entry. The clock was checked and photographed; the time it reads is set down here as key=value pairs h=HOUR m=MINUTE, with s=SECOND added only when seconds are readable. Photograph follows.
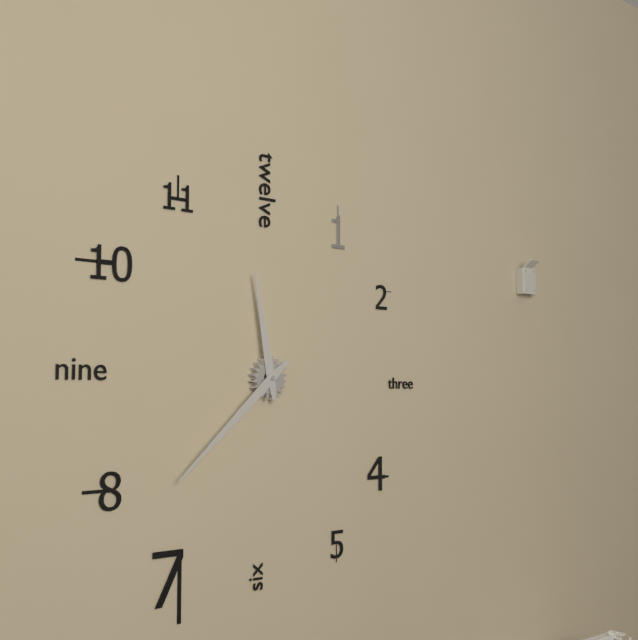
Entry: h=11 m=38
